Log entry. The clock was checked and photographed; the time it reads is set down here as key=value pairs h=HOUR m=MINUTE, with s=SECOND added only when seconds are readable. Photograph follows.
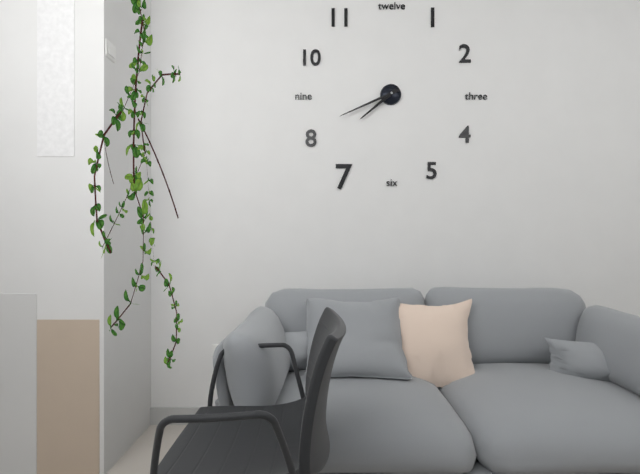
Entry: h=7 m=41
